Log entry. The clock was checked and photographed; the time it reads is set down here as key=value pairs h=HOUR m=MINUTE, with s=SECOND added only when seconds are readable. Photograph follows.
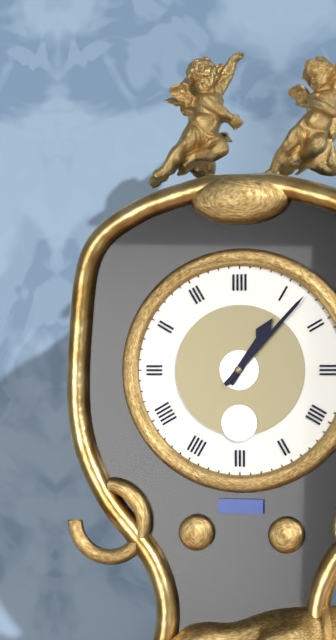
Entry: h=1 m=7
